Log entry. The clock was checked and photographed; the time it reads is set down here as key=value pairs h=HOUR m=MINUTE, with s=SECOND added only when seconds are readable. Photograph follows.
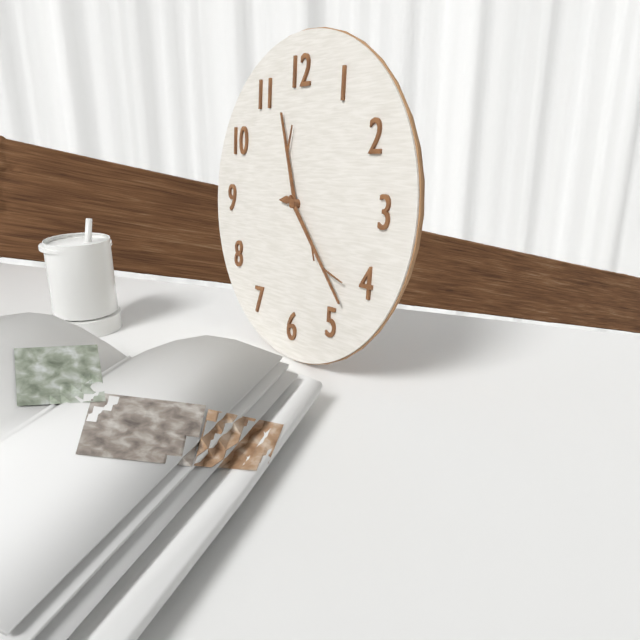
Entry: h=11 m=23
